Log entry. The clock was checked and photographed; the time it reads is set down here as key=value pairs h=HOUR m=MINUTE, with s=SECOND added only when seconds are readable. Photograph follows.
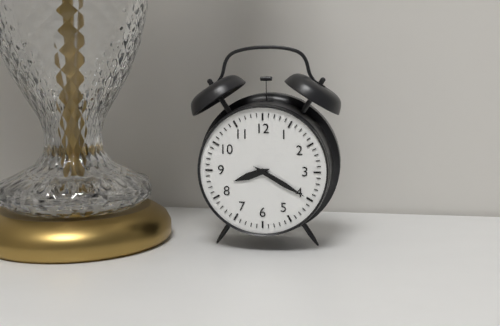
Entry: h=8 m=20
